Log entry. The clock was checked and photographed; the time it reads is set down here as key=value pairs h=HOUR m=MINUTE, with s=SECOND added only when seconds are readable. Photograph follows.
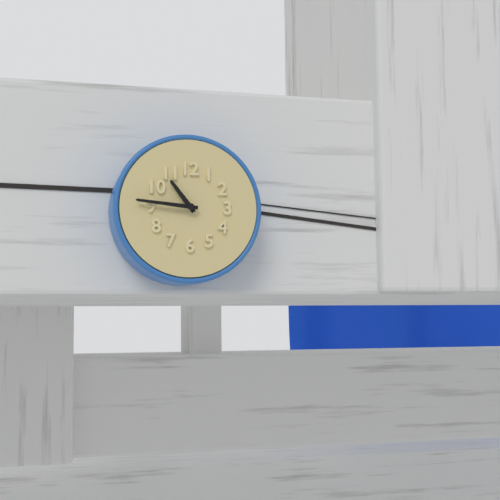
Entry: h=10 m=46
